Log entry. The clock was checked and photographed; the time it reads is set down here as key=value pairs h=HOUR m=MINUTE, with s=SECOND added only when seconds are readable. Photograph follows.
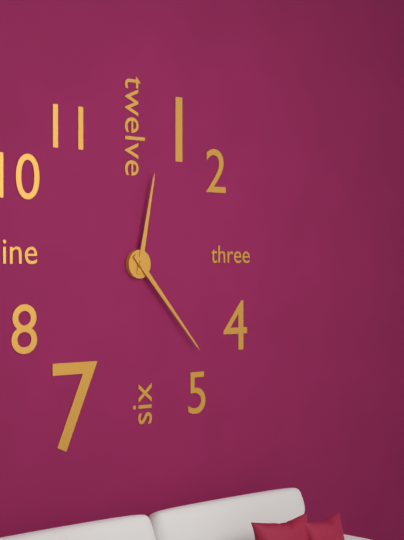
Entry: h=12 m=23
